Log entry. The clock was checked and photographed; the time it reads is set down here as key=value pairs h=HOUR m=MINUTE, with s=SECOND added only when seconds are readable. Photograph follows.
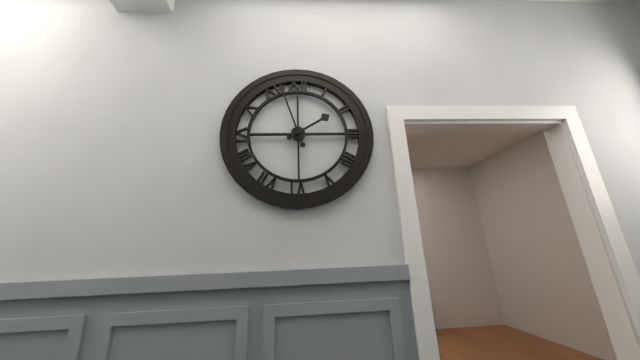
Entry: h=1 m=57
